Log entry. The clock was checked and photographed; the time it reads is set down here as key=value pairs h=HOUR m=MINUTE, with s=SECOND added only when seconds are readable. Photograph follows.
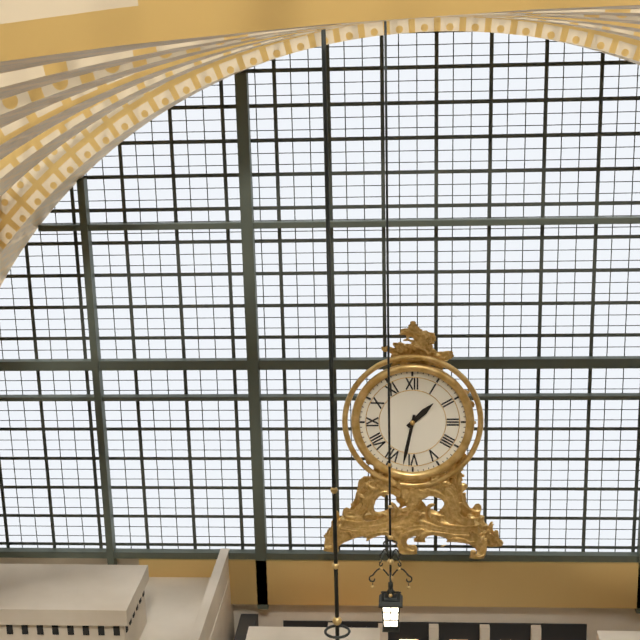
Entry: h=1 m=32
